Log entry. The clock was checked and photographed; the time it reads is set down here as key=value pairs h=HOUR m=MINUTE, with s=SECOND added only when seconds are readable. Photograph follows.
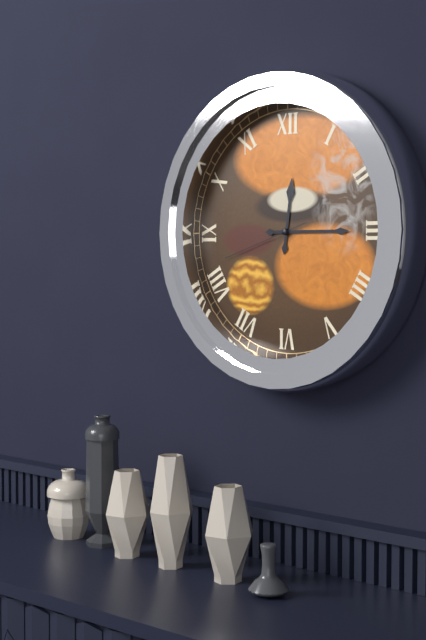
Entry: h=12 m=15 s=42
